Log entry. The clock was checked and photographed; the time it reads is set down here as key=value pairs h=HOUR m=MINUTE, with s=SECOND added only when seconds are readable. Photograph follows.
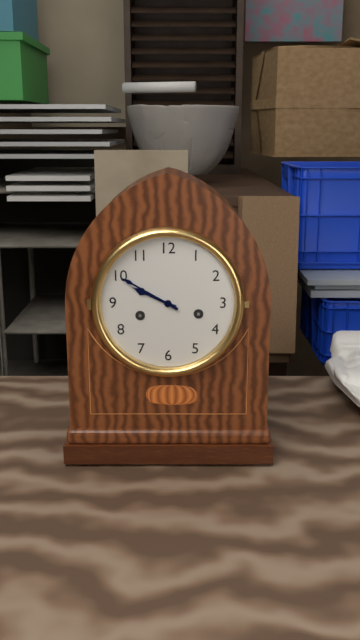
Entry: h=9 m=50
